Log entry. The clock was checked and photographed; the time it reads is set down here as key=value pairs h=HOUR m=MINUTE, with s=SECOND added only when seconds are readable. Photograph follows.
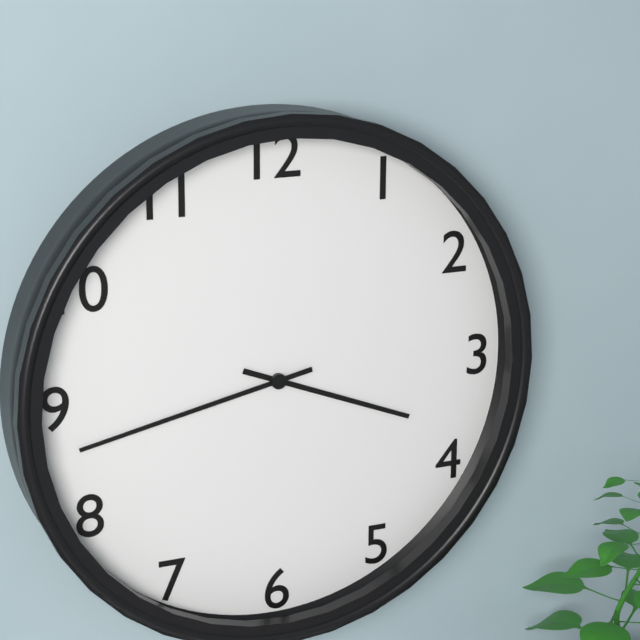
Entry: h=3 m=43
